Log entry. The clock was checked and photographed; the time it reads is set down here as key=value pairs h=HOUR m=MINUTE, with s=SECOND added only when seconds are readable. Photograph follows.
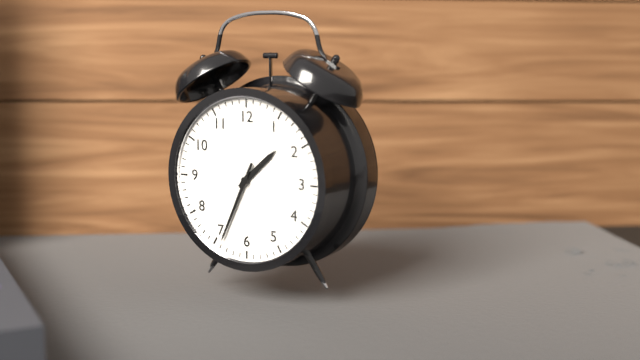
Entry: h=1 m=34
